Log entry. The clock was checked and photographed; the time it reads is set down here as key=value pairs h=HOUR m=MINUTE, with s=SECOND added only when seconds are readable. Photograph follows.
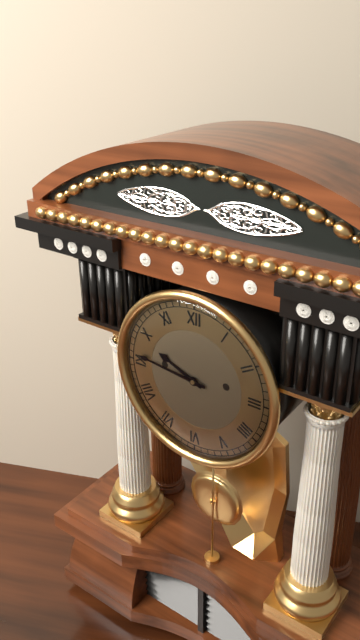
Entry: h=9 m=46
